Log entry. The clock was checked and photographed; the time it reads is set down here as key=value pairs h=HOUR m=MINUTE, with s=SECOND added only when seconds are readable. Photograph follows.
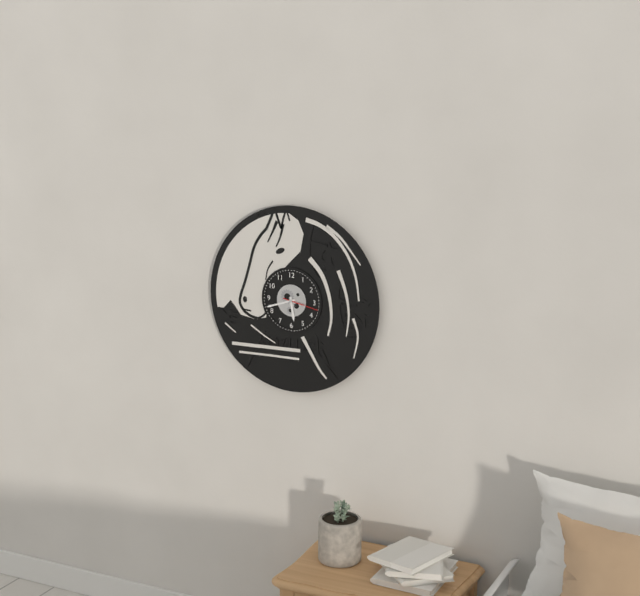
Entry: h=5 m=42
